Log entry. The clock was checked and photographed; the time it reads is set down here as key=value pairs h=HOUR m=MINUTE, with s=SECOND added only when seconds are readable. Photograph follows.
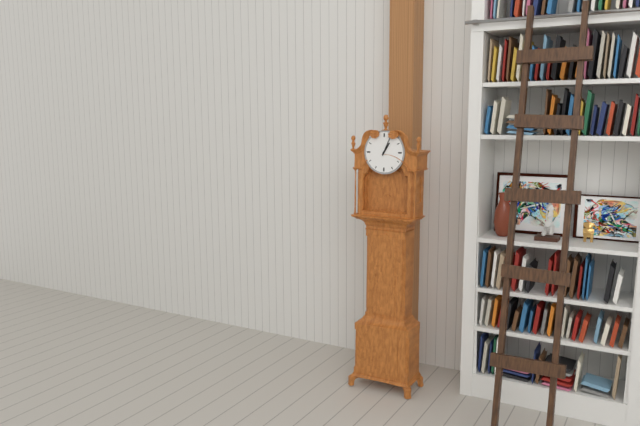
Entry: h=1 m=4
